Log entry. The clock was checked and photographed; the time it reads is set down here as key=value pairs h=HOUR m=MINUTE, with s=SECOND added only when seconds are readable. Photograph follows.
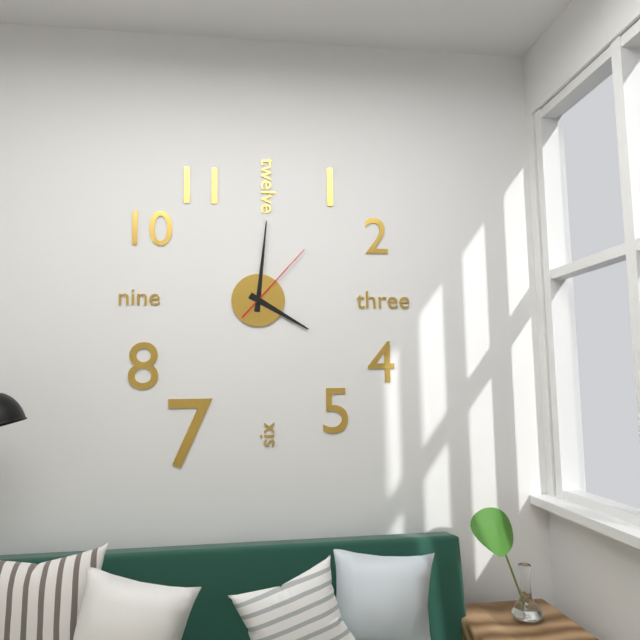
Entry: h=4 m=1 s=7
